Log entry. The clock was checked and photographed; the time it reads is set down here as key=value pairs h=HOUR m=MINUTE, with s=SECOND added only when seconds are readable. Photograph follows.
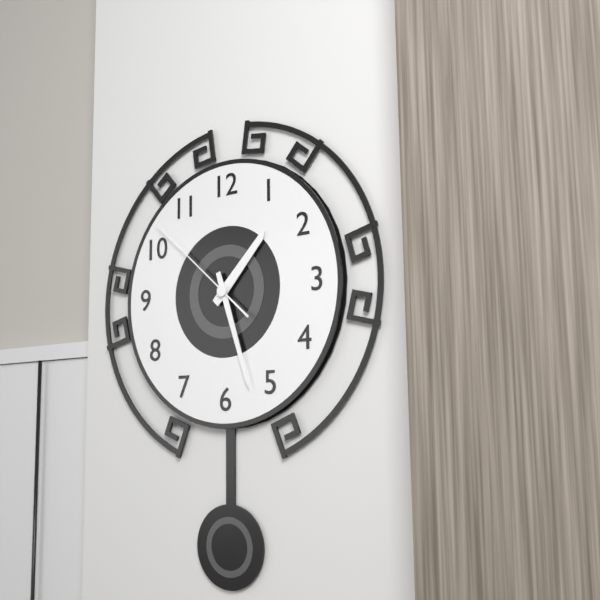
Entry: h=1 m=27 s=52
